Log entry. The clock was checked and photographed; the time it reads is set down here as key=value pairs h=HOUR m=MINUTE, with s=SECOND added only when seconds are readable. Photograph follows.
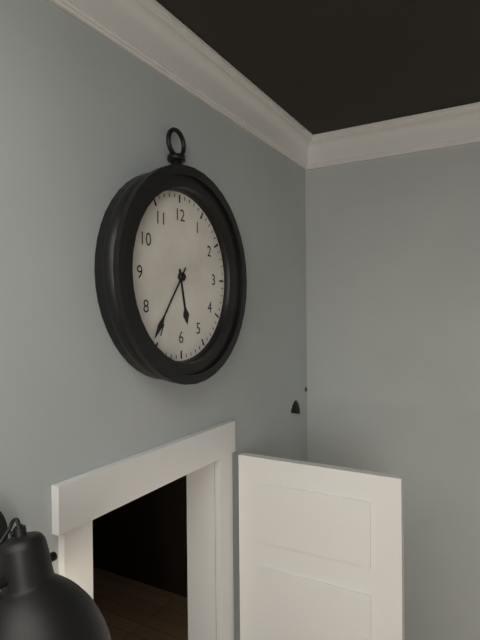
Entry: h=5 m=36
